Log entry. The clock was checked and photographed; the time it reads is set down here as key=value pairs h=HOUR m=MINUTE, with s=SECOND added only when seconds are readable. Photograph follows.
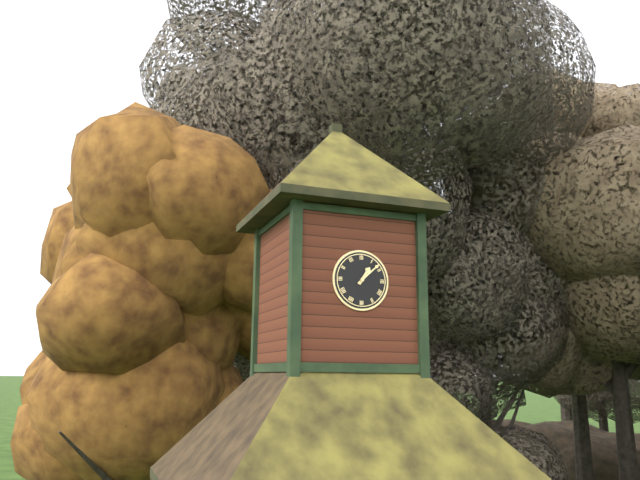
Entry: h=1 m=8
